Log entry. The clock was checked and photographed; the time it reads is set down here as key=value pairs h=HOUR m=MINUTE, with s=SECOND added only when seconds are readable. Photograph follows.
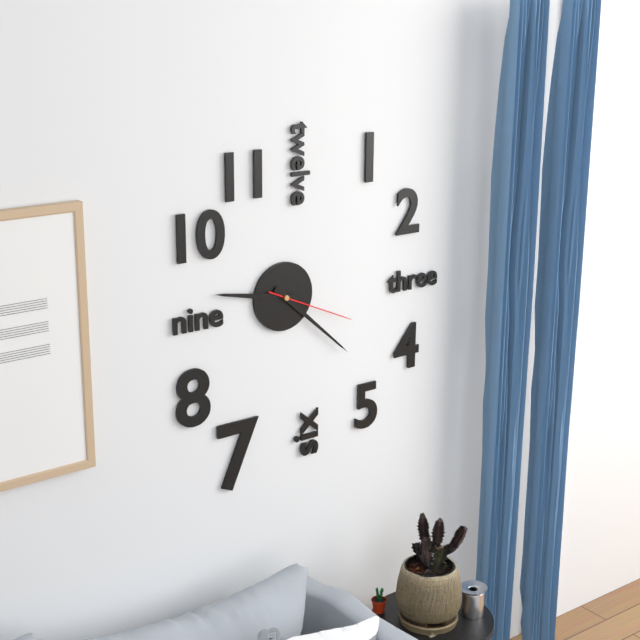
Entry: h=9 m=22 s=19
